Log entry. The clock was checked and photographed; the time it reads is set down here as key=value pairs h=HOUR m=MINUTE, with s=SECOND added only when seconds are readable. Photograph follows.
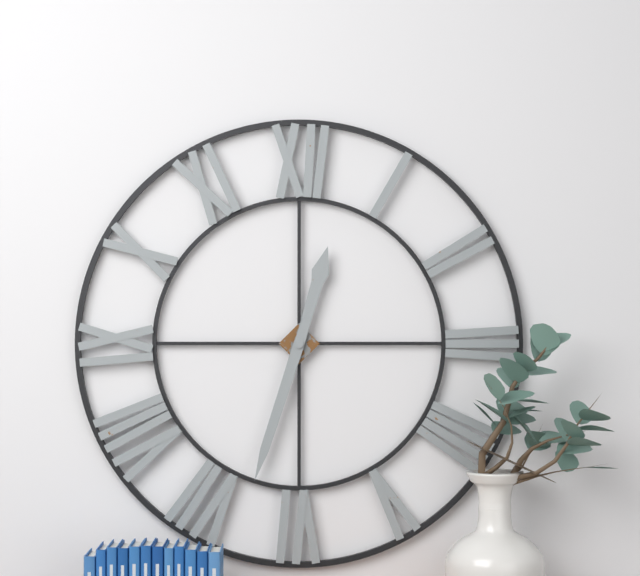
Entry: h=12 m=33
